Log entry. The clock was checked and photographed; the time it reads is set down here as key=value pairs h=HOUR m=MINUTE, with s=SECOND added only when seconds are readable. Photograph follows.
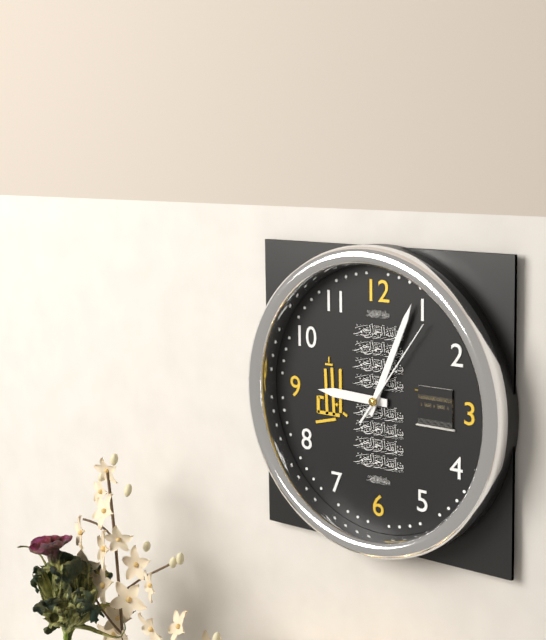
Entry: h=9 m=4 s=6
